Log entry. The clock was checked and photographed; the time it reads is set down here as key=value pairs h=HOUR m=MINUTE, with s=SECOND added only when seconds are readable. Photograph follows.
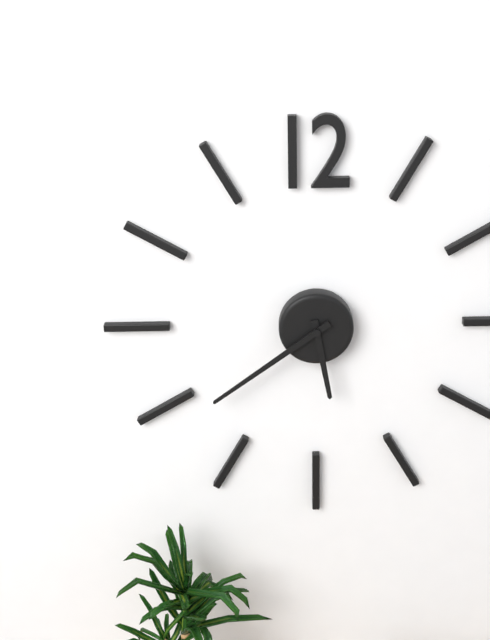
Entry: h=5 m=39
